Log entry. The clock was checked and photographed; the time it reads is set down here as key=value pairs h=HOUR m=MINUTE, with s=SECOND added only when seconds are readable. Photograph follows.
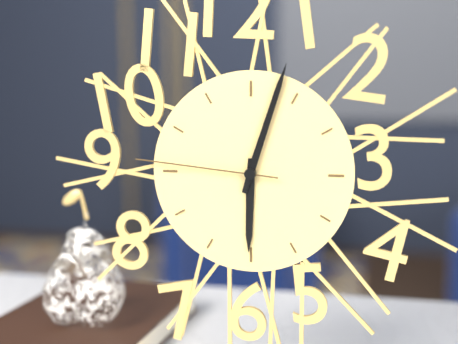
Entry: h=6 m=3 s=46
